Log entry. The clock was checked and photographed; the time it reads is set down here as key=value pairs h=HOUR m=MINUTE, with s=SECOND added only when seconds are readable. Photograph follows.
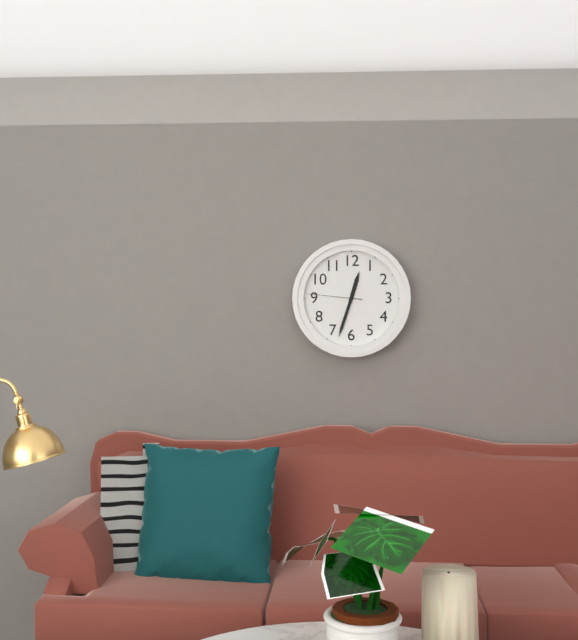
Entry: h=12 m=33 s=46
